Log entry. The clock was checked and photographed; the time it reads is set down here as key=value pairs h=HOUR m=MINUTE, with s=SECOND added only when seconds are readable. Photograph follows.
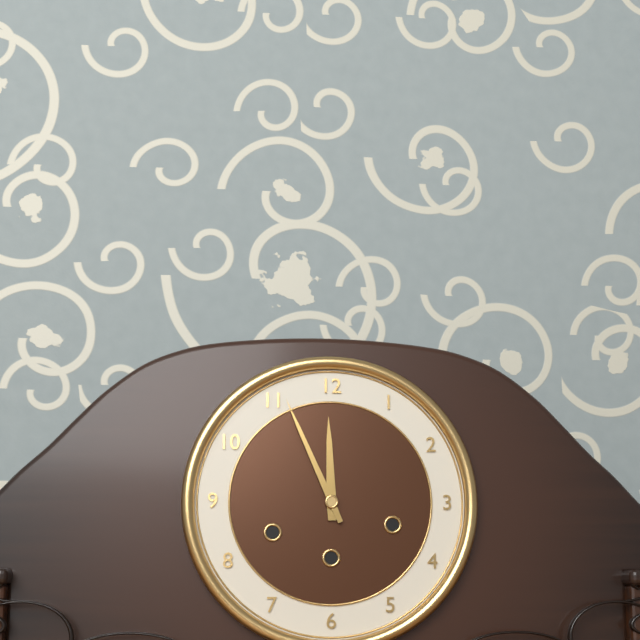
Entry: h=11 m=56
